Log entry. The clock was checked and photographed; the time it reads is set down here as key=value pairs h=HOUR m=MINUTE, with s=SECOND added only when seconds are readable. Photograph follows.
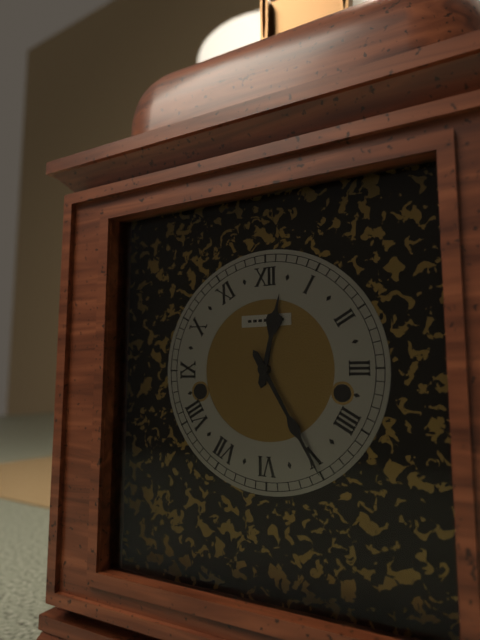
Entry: h=12 m=25
